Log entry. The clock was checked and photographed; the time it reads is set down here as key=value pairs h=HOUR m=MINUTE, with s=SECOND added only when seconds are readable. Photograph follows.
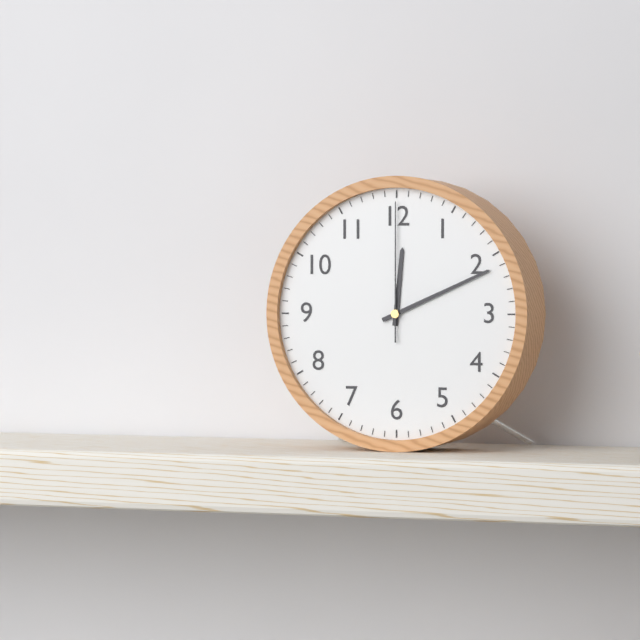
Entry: h=12 m=11 s=0
